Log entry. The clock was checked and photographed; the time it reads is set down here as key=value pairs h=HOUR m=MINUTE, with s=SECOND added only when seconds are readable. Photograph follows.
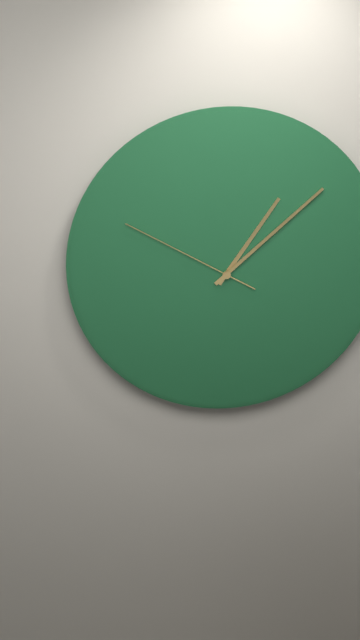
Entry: h=1 m=8 s=50
